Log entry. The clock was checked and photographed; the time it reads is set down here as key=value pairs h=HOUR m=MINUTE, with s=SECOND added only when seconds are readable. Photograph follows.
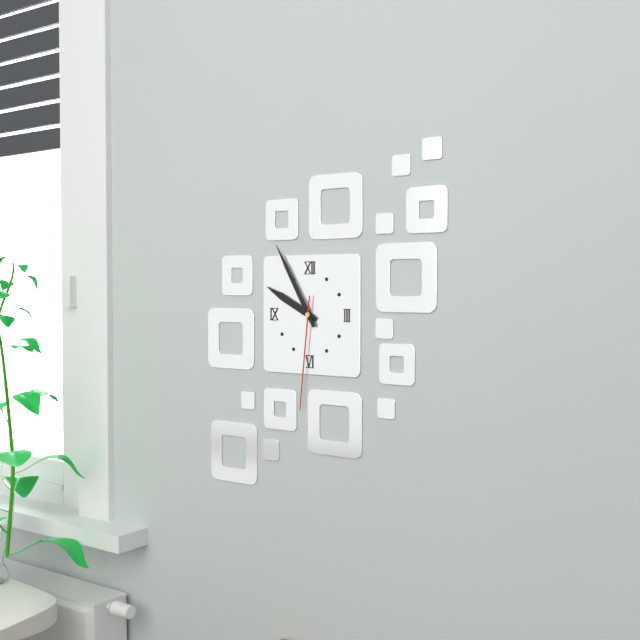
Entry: h=9 m=55 s=31
